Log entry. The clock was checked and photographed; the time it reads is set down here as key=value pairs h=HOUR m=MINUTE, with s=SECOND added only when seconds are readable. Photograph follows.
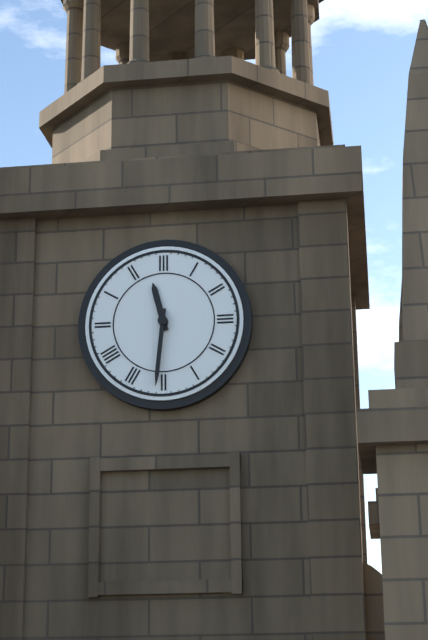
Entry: h=11 m=31
